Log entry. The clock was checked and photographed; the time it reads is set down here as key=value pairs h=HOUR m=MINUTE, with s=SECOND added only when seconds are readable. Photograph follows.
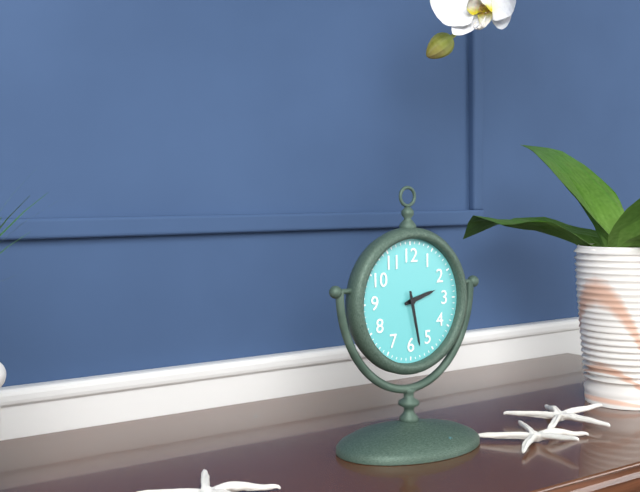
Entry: h=2 m=28
